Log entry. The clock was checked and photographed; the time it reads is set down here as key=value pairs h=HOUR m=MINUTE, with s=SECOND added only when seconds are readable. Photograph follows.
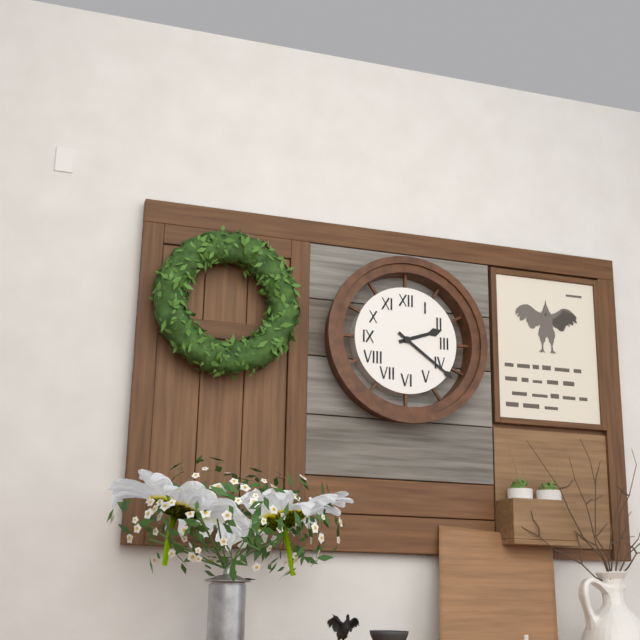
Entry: h=2 m=21
